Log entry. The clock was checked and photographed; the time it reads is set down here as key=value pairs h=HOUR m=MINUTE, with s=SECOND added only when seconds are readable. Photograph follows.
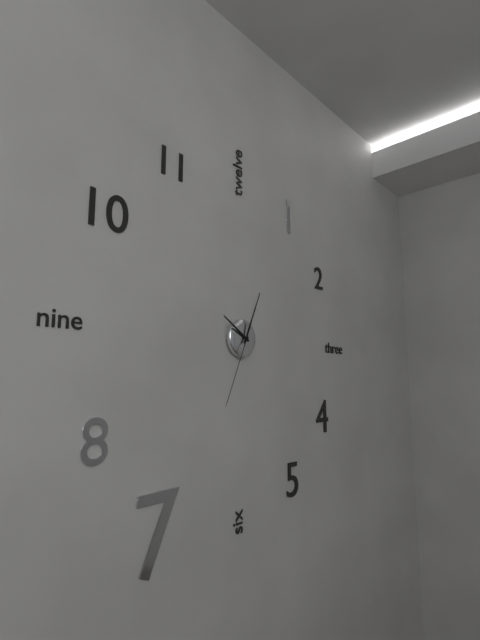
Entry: h=10 m=4 s=34
